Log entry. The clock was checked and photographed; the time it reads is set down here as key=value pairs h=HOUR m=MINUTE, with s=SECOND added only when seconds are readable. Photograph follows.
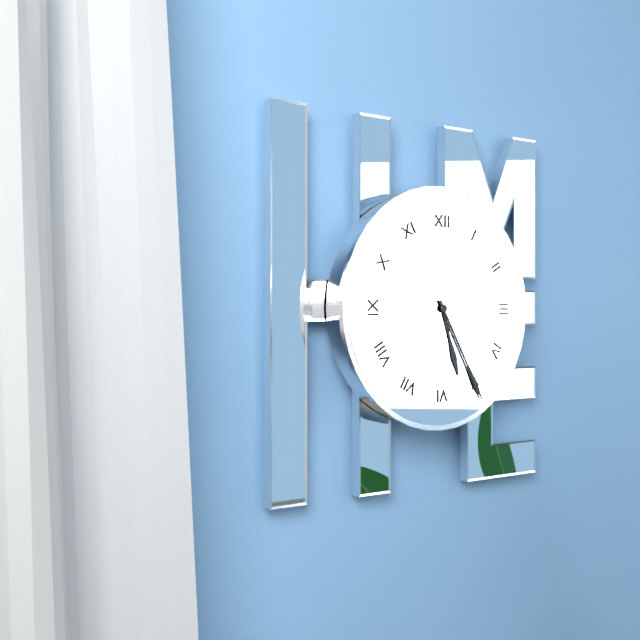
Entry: h=5 m=25
